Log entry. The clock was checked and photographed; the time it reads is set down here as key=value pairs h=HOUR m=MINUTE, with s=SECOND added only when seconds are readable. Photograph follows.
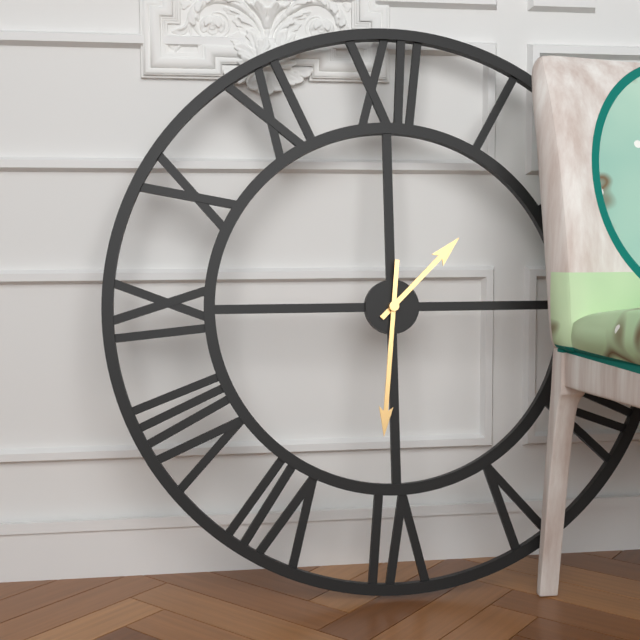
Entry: h=1 m=31
